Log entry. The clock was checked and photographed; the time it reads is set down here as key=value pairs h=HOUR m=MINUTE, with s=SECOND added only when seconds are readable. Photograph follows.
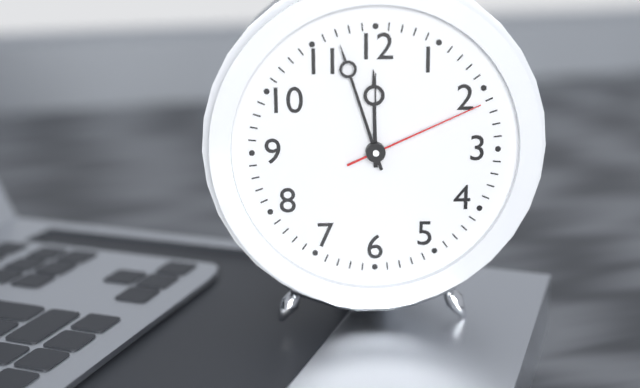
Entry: h=11 m=57 s=11
